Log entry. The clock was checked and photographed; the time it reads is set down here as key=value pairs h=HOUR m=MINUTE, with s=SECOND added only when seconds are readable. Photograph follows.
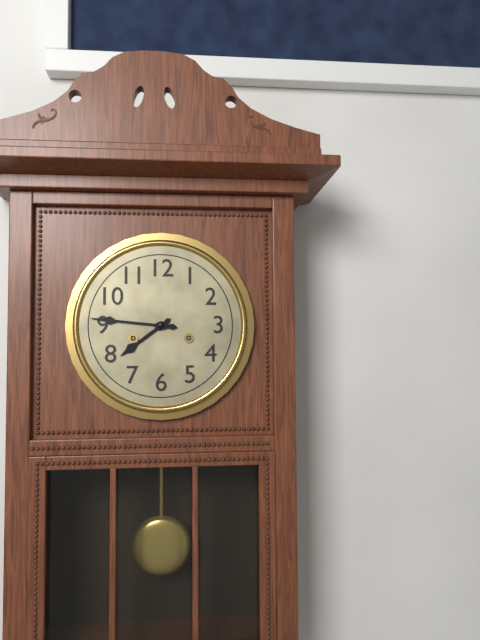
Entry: h=7 m=46
